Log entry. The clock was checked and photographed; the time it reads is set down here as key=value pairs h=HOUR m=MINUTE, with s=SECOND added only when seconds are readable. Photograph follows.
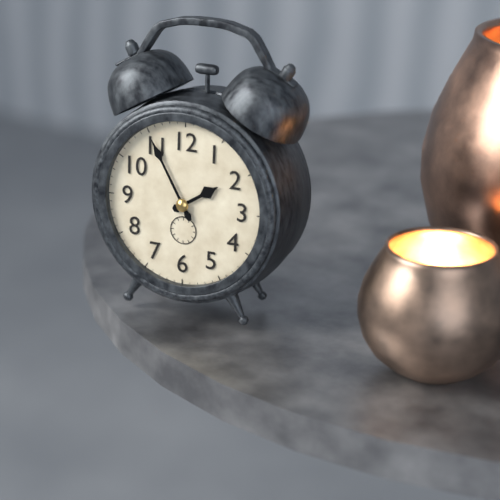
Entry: h=1 m=55
